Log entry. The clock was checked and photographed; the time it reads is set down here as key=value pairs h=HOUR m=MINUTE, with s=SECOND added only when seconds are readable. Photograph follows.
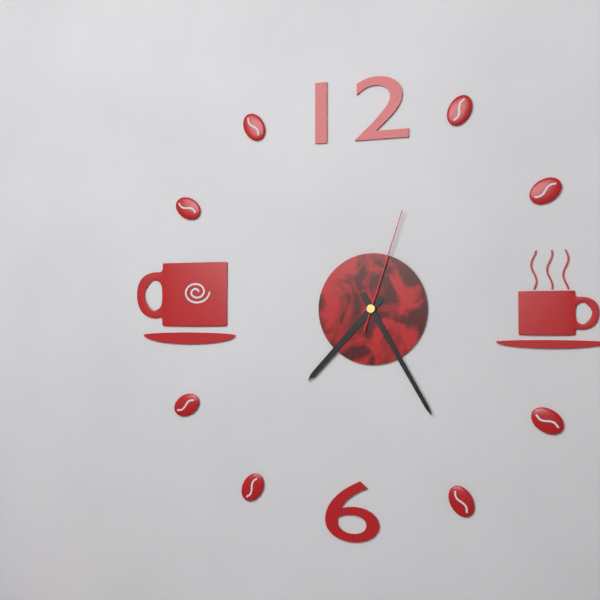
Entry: h=7 m=25 s=3
